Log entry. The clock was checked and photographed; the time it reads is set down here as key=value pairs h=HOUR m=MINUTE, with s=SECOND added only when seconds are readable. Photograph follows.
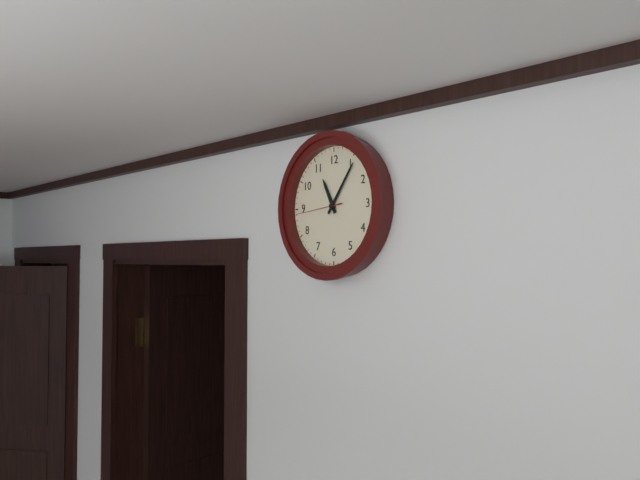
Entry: h=11 m=6
